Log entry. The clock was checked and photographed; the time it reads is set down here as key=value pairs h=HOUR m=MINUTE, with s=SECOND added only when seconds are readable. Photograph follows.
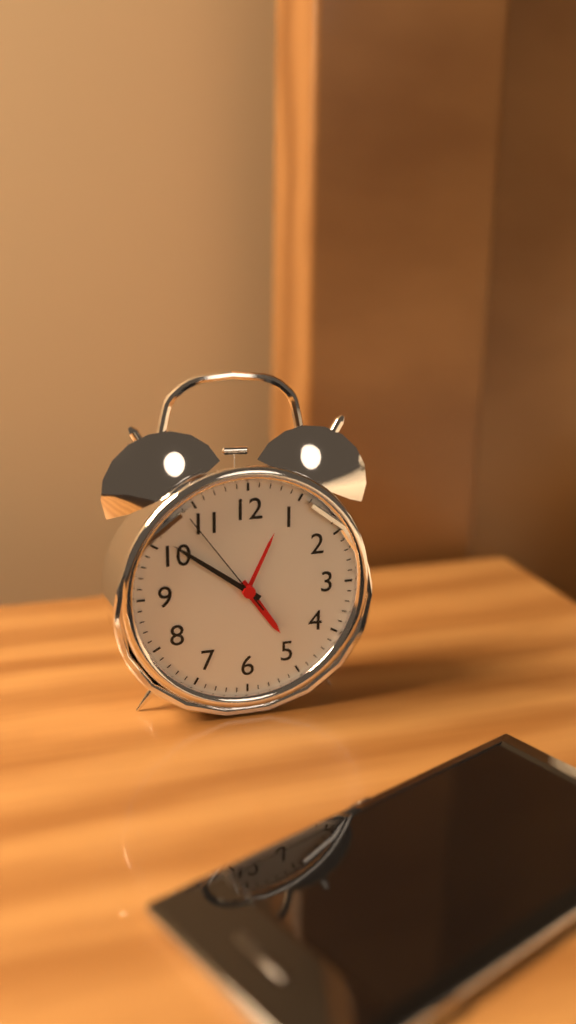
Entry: h=4 m=51 s=54
